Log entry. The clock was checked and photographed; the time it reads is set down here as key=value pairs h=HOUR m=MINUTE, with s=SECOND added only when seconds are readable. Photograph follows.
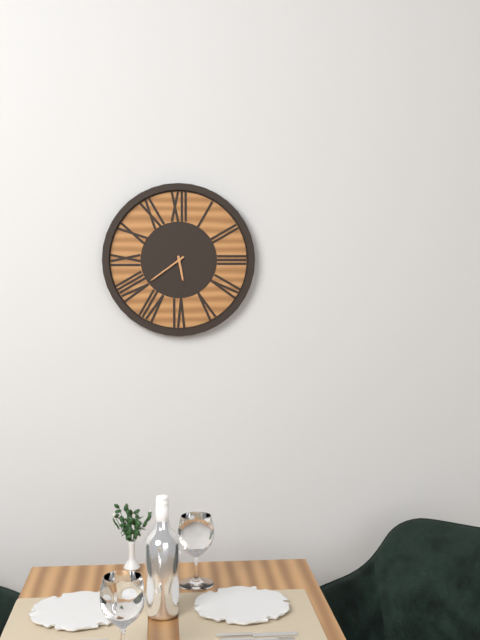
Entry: h=5 m=39
